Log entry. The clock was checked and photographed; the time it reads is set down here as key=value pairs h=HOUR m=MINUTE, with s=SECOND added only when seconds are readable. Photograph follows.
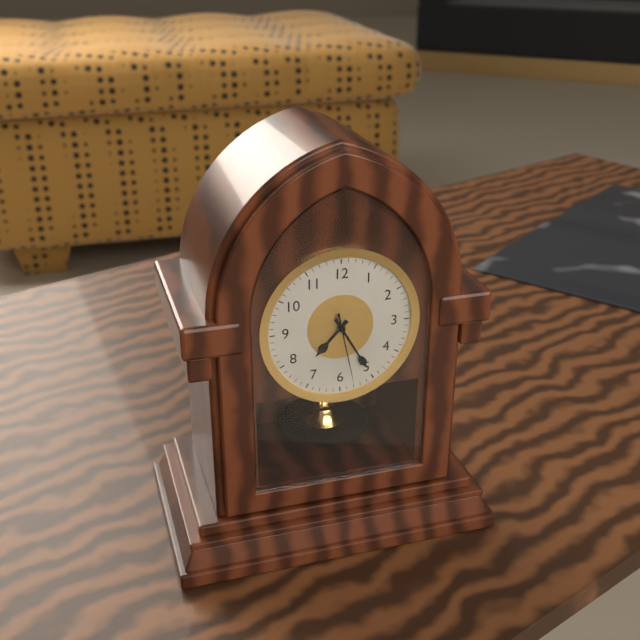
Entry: h=7 m=25 s=28
